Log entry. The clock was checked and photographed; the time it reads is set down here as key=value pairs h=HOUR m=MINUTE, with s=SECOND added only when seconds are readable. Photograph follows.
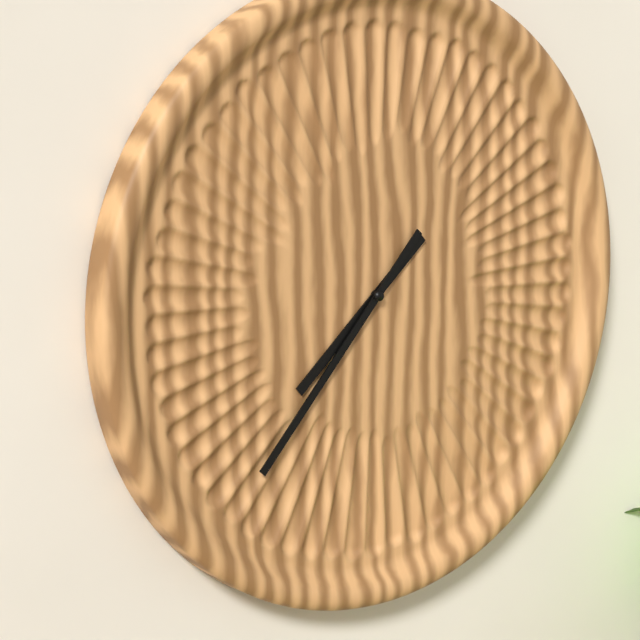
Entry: h=7 m=37
